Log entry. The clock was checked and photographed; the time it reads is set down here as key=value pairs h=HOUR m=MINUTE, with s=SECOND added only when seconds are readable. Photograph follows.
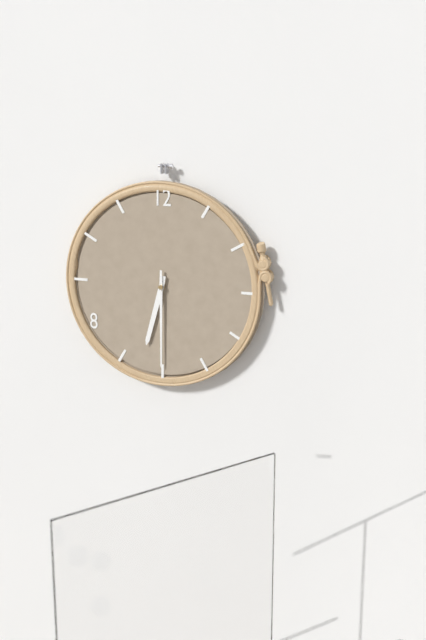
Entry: h=6 m=30
